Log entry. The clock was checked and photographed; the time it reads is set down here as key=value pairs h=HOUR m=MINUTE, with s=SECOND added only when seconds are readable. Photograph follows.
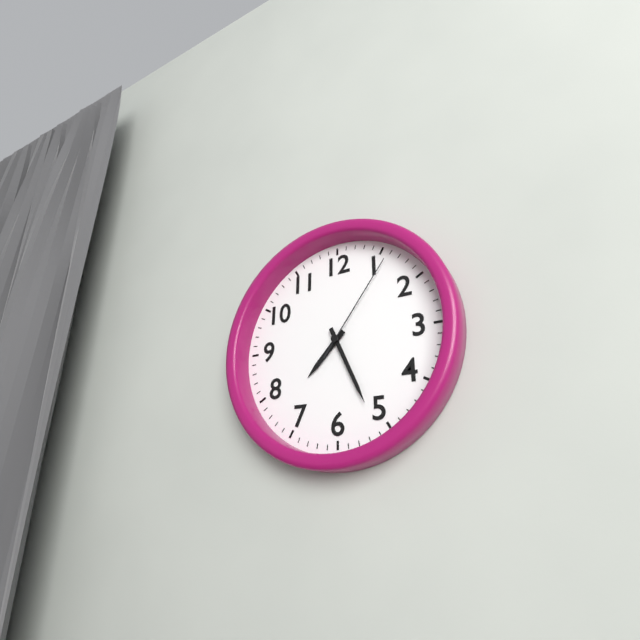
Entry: h=7 m=26 s=6
